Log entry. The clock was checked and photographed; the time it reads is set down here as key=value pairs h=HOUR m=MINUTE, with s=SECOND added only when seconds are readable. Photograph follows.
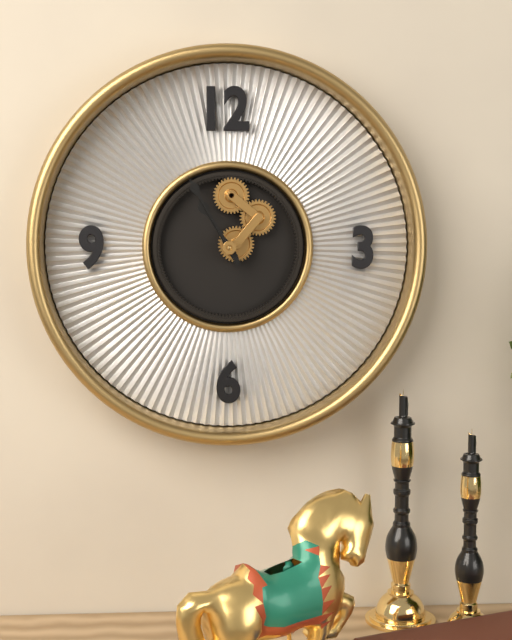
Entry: h=10 m=55
